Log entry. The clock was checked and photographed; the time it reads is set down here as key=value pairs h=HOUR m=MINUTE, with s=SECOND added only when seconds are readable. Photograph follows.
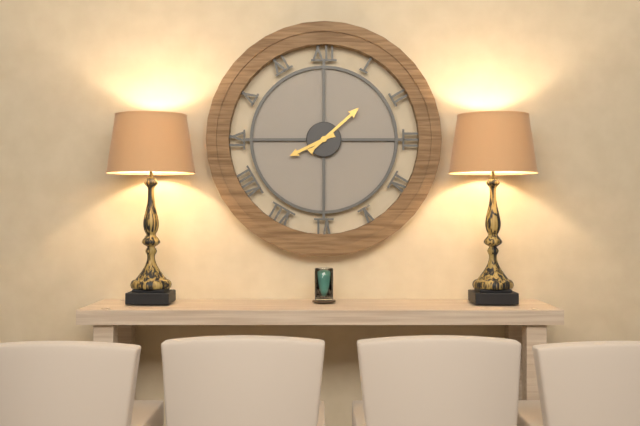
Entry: h=8 m=8
